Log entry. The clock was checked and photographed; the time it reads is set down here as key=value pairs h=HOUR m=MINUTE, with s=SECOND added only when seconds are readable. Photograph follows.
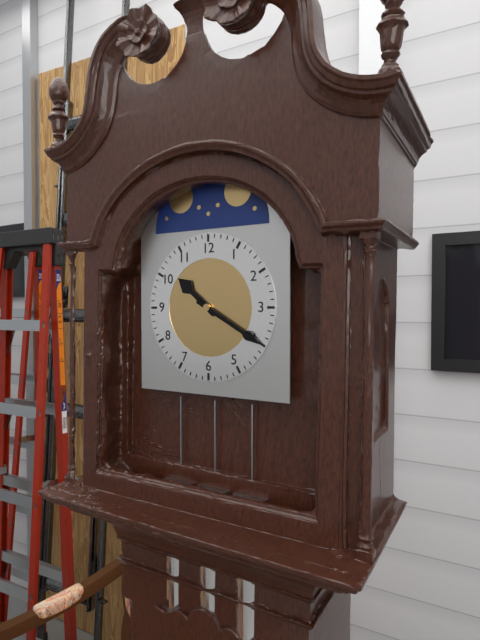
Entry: h=10 m=20
